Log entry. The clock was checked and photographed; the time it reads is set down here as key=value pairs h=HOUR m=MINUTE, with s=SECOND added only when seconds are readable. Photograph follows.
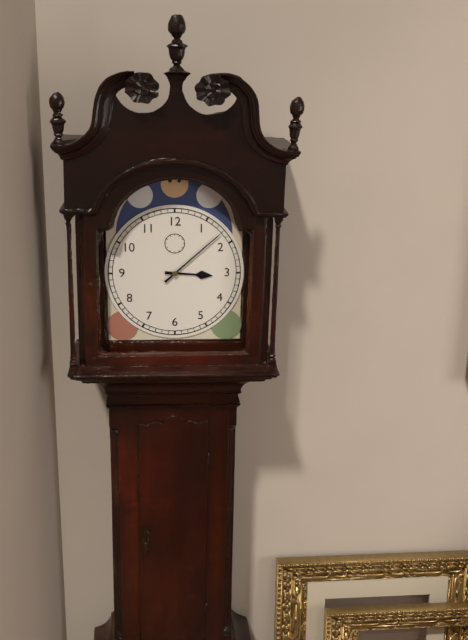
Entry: h=3 m=8
